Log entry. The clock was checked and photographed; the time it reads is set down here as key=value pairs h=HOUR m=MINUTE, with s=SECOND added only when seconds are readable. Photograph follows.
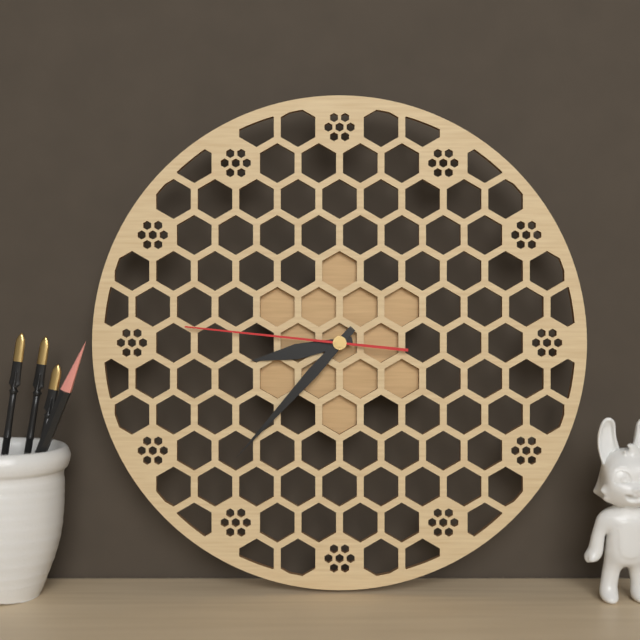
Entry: h=8 m=37 s=46
